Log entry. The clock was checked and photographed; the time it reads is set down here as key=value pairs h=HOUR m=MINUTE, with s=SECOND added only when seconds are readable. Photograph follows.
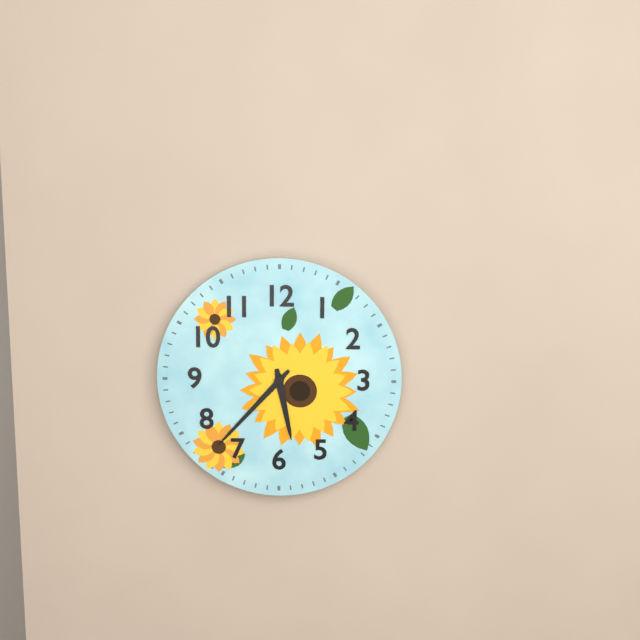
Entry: h=5 m=37
